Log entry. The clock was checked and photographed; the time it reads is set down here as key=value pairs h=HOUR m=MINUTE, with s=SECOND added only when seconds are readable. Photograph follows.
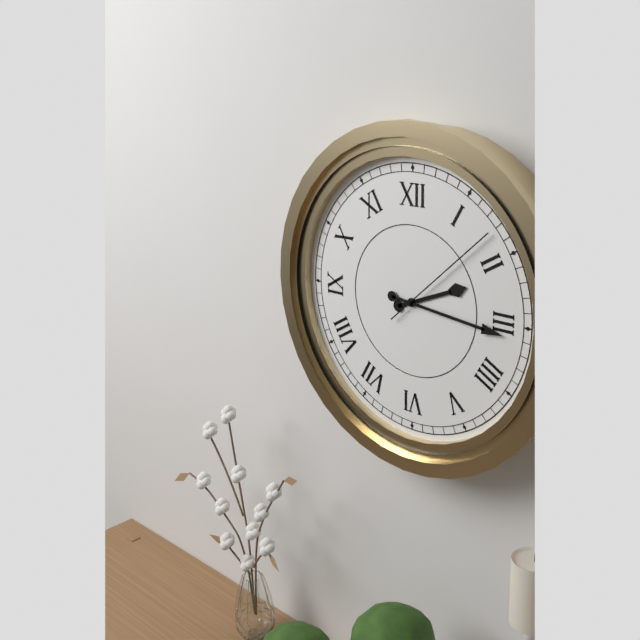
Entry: h=2 m=16 s=8
